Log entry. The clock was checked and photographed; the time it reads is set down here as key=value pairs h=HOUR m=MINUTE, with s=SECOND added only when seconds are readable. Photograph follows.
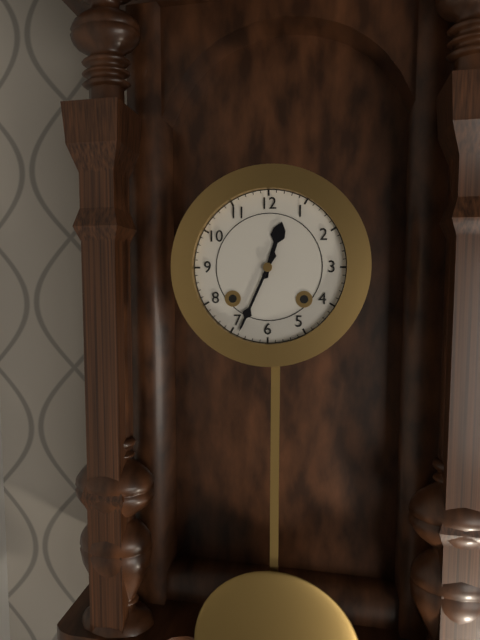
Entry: h=12 m=34
